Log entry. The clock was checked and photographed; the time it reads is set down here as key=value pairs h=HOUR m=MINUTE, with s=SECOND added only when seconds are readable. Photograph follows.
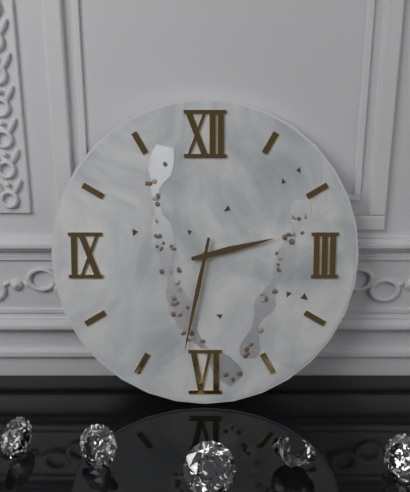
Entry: h=2 m=32
